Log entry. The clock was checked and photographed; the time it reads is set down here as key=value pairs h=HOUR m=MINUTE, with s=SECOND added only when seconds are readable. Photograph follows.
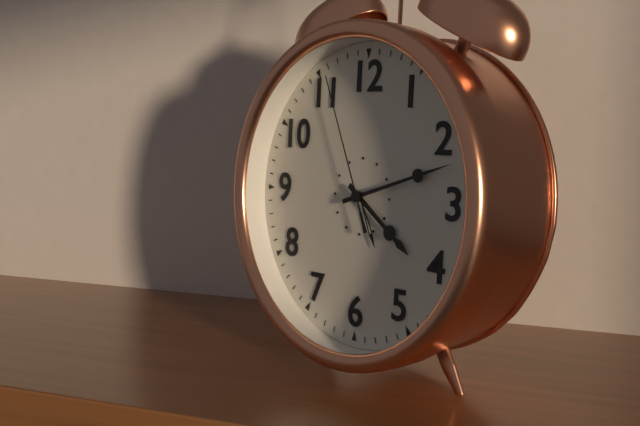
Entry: h=4 m=12 s=56
